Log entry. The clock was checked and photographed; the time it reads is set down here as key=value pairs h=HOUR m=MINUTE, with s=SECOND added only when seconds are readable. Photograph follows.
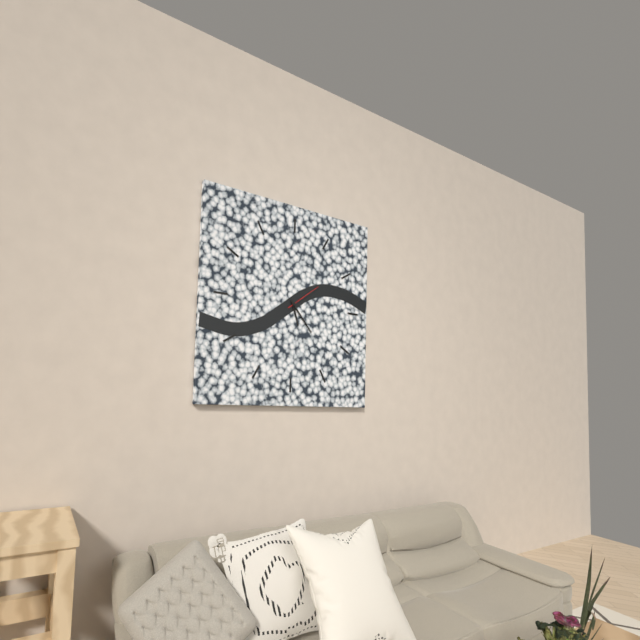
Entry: h=5 m=23
